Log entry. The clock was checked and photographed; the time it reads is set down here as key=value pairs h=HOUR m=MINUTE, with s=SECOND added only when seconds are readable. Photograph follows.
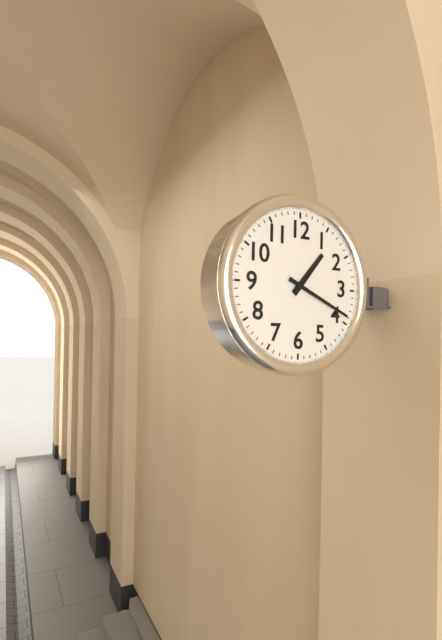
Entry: h=1 m=19
